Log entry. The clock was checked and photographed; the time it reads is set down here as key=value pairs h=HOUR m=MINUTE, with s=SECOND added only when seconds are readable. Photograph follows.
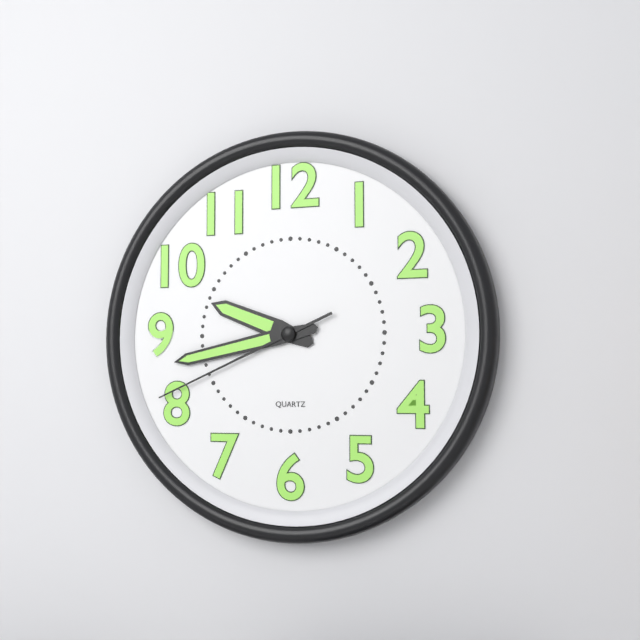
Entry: h=9 m=43 s=41
